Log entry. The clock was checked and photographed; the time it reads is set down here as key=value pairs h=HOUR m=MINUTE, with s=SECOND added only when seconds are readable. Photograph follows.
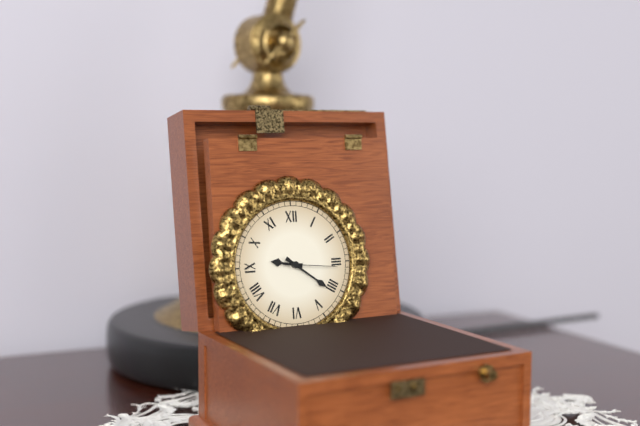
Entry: h=9 m=21 s=16
